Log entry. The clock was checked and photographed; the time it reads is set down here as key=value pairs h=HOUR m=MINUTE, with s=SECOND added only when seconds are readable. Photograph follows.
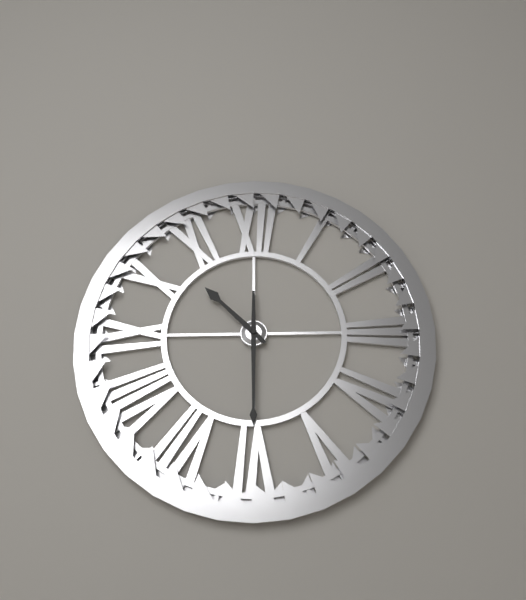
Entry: h=10 m=30
